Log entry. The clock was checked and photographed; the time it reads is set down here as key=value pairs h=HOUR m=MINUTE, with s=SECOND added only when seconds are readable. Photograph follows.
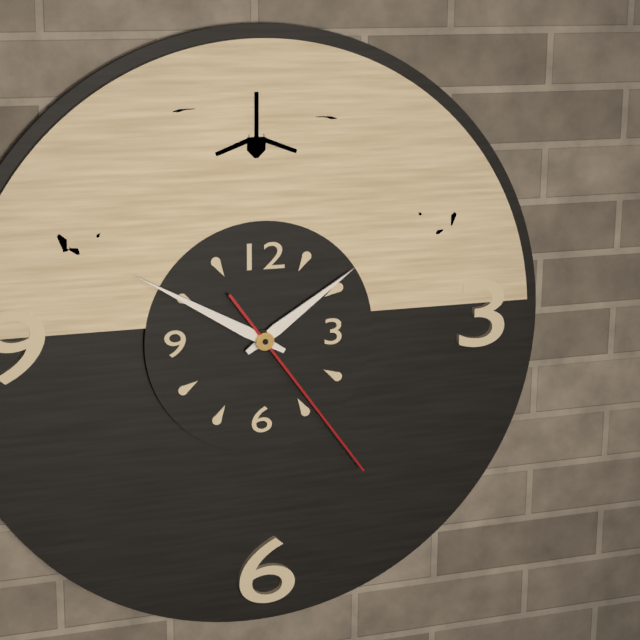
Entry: h=1 m=50 s=24
